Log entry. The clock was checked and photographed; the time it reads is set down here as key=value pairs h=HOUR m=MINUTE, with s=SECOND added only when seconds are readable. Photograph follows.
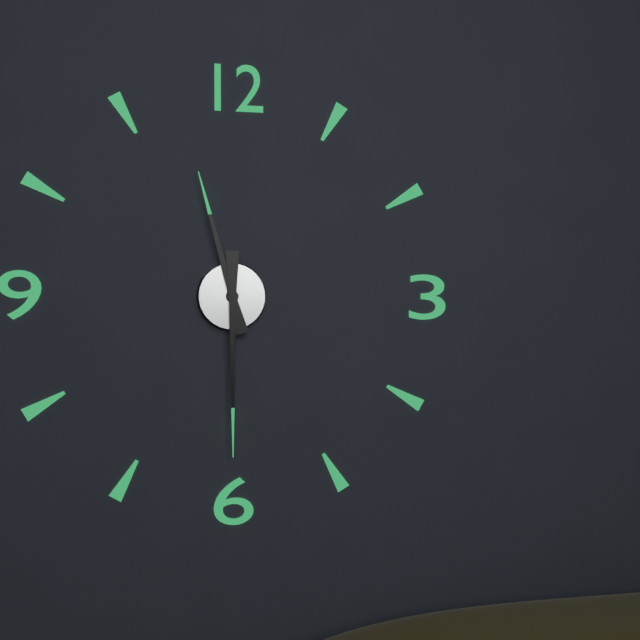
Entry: h=11 m=30
